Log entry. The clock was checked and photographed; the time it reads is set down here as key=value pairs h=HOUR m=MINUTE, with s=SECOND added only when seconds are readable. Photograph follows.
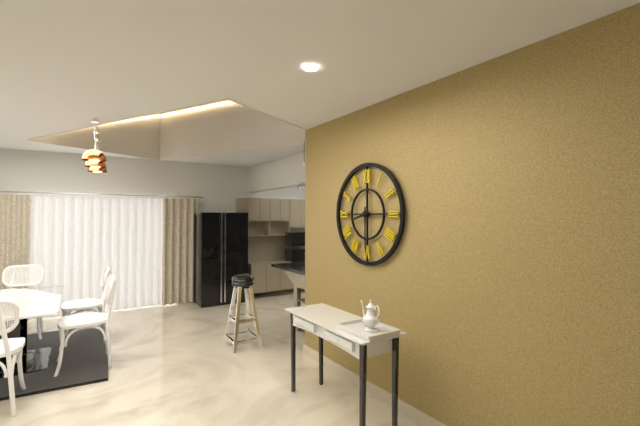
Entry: h=8 m=30
